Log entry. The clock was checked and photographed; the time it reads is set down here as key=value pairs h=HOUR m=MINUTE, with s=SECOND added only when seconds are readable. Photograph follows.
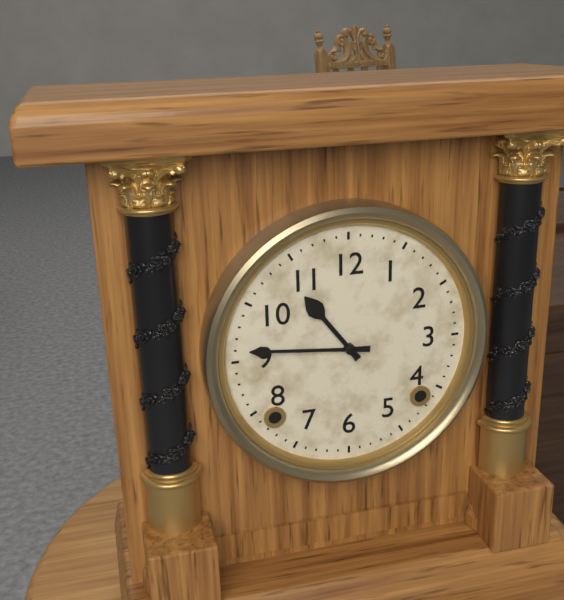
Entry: h=10 m=46
